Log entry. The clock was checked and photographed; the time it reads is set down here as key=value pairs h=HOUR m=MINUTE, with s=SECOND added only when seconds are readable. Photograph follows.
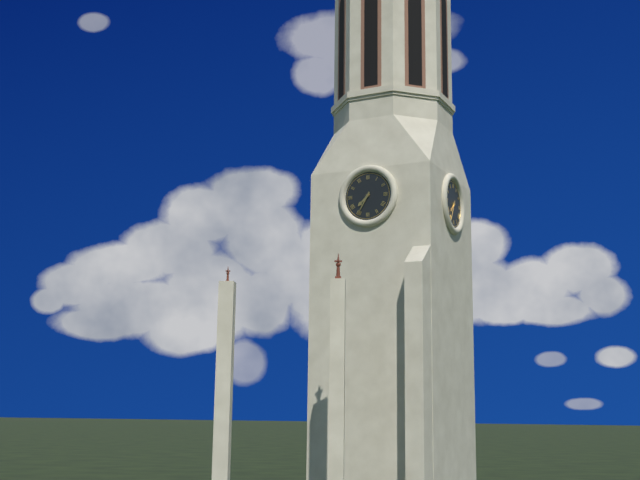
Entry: h=7 m=35
